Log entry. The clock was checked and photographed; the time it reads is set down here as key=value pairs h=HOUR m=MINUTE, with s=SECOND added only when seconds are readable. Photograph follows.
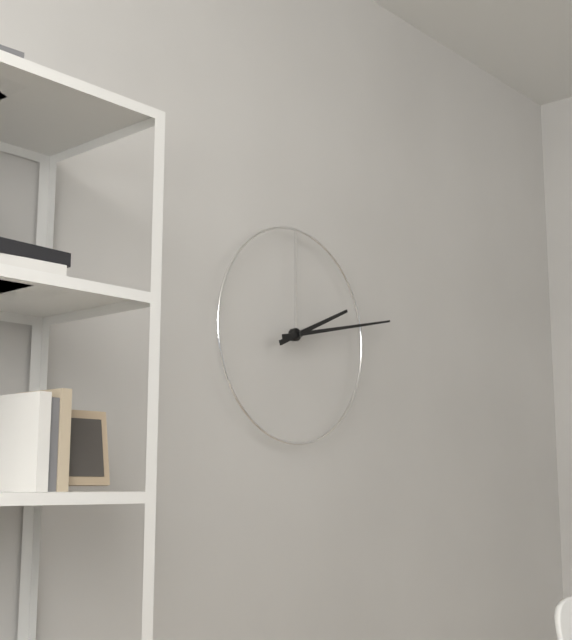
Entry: h=2 m=13
